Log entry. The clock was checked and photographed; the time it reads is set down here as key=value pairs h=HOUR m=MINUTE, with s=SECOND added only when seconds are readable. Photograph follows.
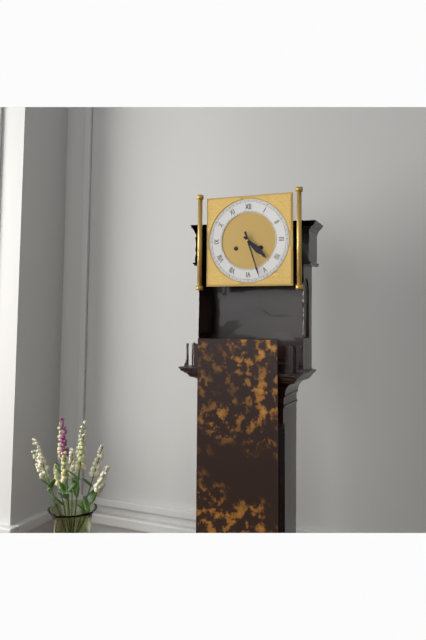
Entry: h=4 m=27
